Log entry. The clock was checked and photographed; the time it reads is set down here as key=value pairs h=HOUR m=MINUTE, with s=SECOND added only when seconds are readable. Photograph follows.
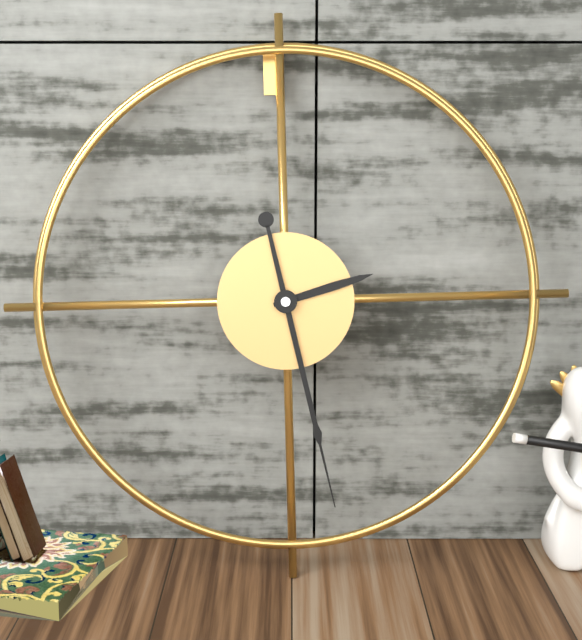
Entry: h=2 m=28
